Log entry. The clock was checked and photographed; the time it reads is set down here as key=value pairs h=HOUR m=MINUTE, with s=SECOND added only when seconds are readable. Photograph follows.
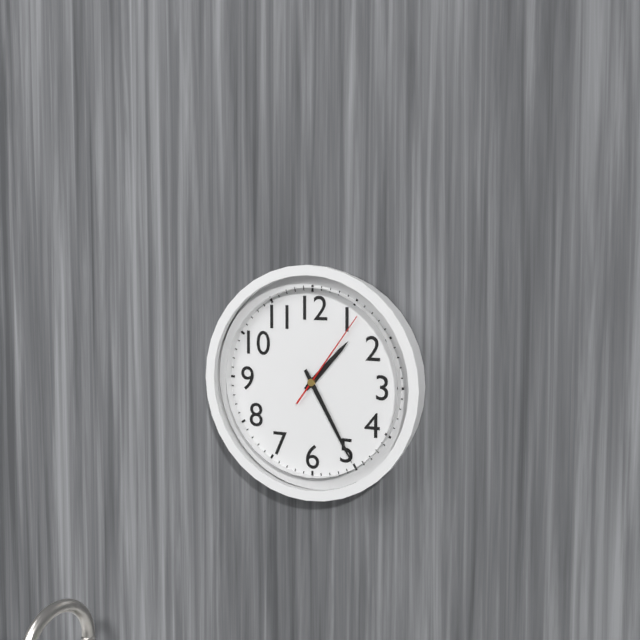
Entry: h=1 m=25 s=6
